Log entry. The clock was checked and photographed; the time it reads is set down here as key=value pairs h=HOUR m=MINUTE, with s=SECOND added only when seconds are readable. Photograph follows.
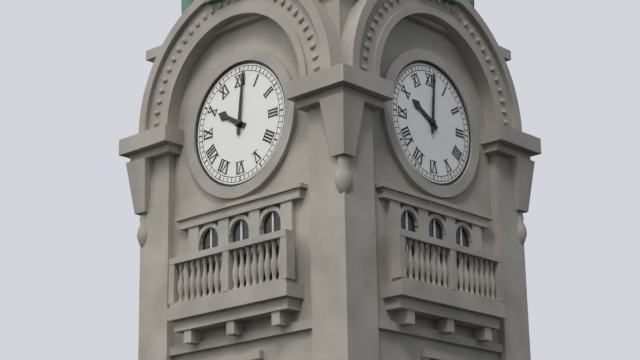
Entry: h=10 m=1
